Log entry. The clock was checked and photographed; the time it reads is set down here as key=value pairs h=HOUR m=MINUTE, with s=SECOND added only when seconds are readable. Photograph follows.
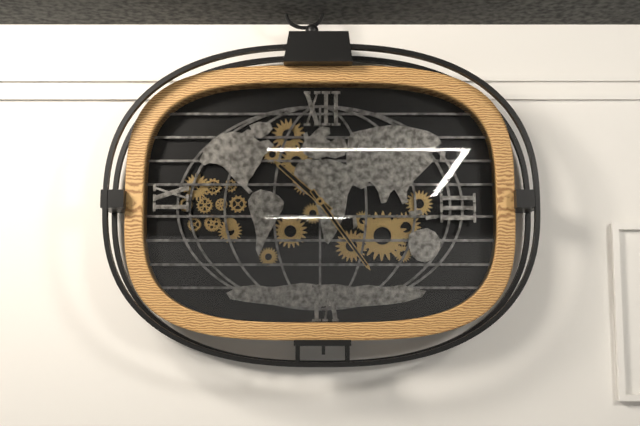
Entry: h=10 m=24
